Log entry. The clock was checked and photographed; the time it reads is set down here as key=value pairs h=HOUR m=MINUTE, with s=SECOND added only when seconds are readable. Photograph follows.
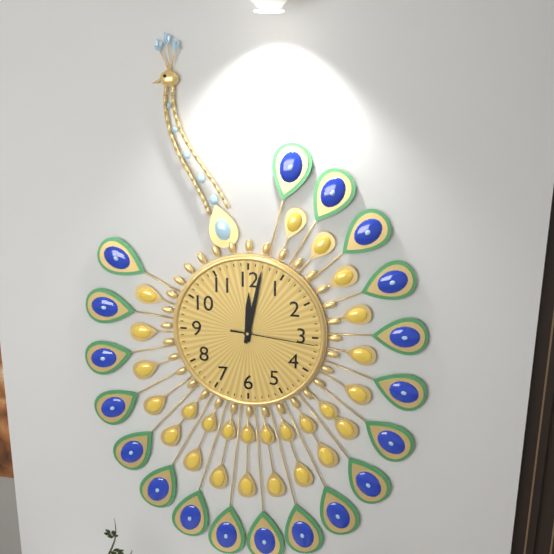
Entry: h=12 m=2 s=16
